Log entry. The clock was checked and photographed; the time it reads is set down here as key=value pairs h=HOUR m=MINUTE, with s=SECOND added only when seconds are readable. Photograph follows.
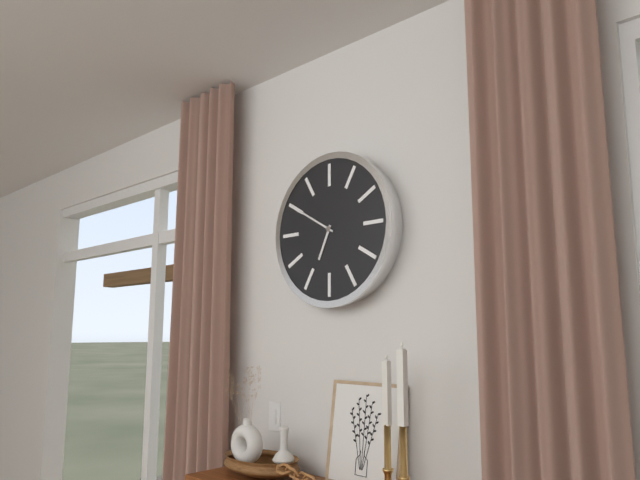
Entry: h=6 m=50
